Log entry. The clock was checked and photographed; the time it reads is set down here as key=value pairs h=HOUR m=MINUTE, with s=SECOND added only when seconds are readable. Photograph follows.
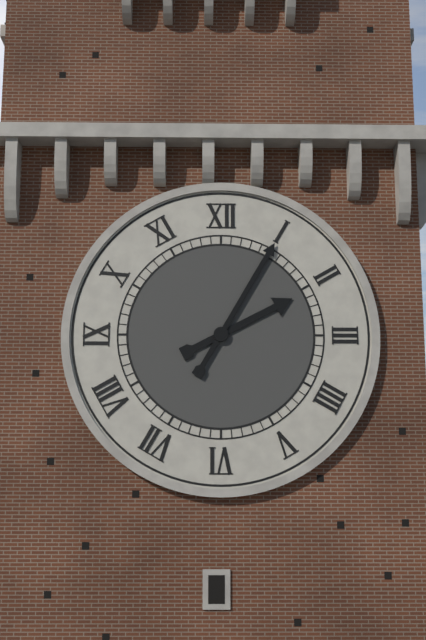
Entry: h=2 m=5
